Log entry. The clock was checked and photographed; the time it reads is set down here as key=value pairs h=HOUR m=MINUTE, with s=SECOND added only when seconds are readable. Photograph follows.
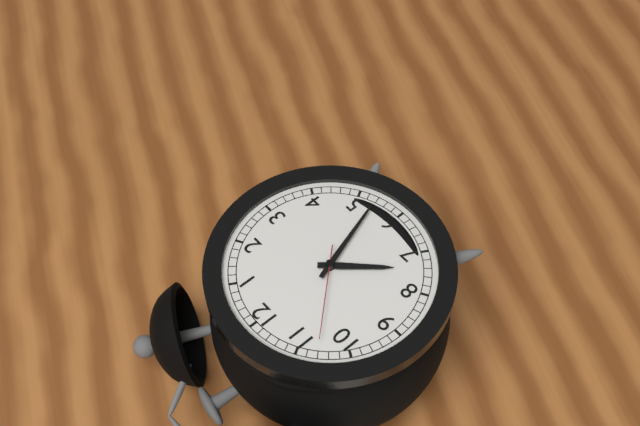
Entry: h=7 m=27 s=53
